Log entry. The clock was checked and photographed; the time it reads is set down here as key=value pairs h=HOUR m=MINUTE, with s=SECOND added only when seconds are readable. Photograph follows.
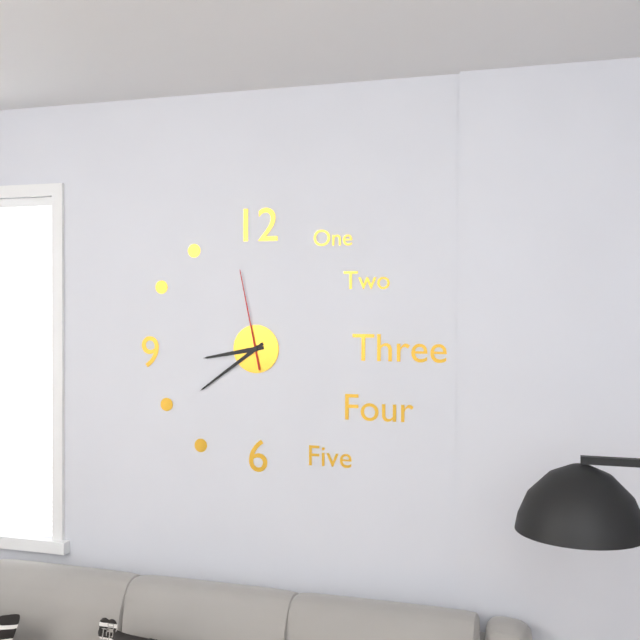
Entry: h=8 m=39 s=58
